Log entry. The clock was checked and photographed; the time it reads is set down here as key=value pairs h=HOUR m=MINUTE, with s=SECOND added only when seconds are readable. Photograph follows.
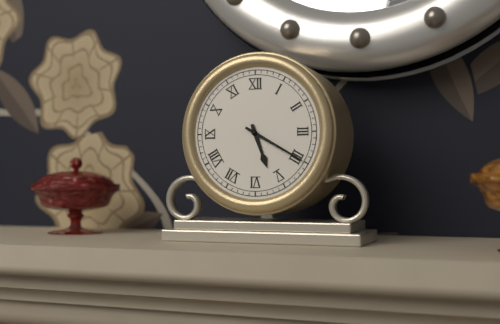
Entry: h=5 m=20
